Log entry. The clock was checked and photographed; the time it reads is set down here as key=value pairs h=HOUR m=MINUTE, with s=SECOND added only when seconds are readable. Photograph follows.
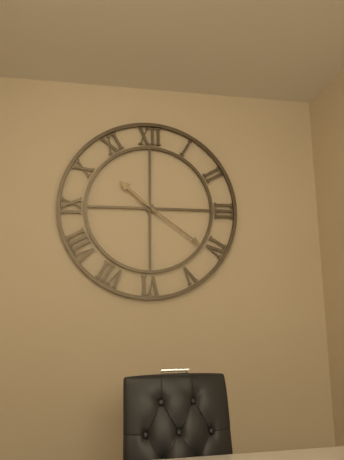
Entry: h=10 m=21
